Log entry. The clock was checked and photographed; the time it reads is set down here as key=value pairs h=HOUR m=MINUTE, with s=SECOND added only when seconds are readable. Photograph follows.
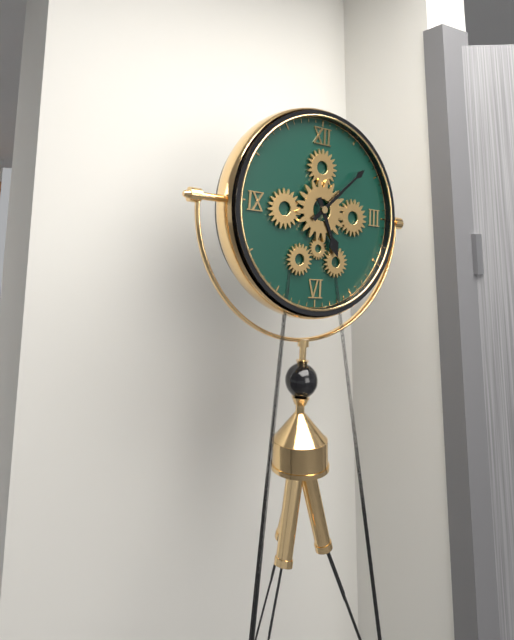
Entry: h=5 m=8
